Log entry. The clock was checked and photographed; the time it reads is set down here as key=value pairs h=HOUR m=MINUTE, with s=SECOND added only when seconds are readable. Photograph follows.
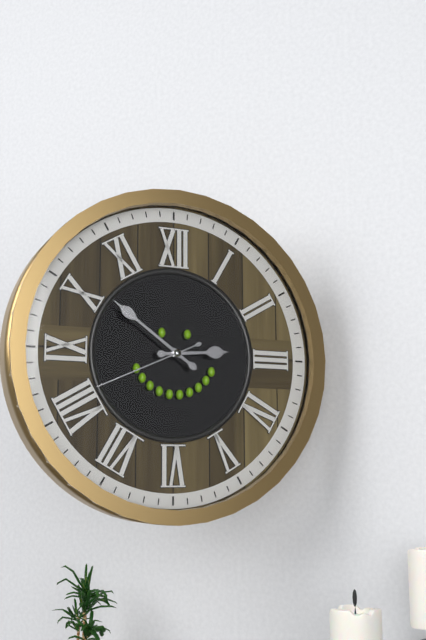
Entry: h=2 m=51 s=41
